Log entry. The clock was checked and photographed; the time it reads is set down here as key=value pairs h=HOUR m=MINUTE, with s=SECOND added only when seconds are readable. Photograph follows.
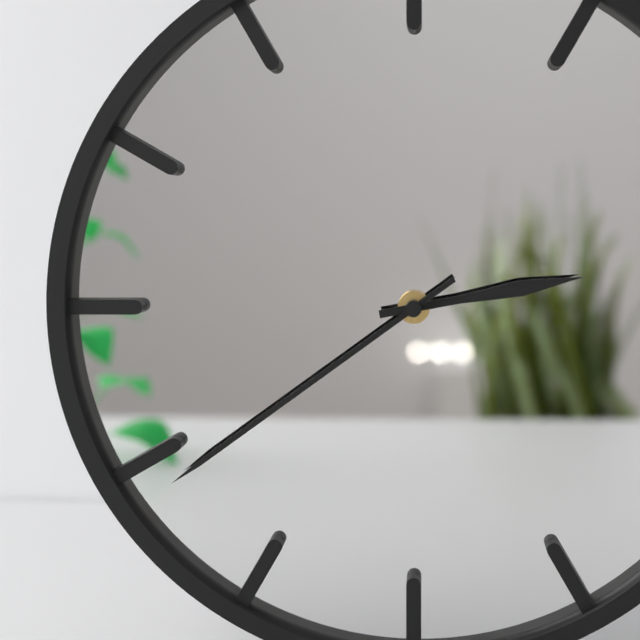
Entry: h=2 m=39
